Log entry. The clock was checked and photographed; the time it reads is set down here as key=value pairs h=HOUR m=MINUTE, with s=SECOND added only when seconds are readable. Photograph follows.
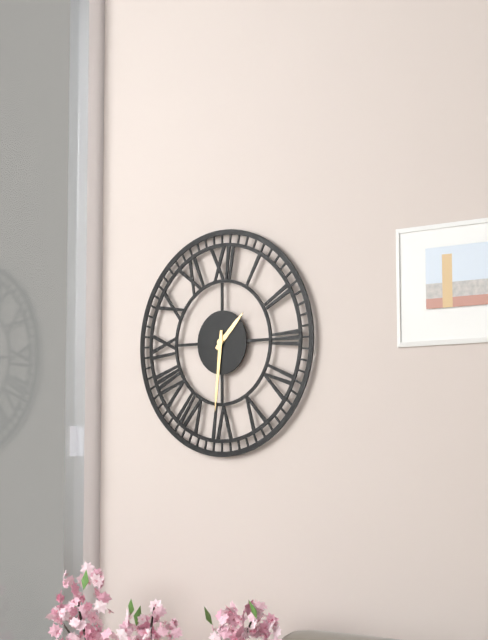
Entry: h=1 m=31
